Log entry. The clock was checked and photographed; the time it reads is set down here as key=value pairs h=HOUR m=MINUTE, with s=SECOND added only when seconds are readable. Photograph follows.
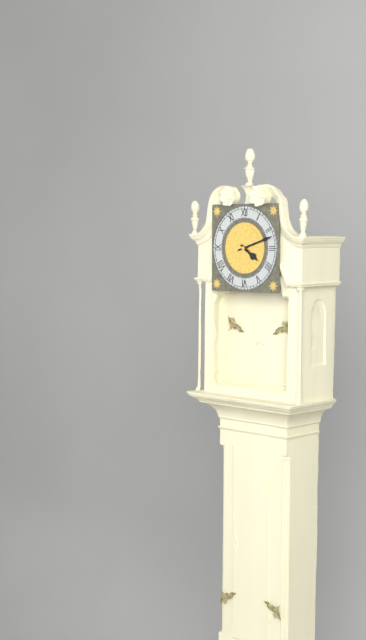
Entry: h=4 m=12
